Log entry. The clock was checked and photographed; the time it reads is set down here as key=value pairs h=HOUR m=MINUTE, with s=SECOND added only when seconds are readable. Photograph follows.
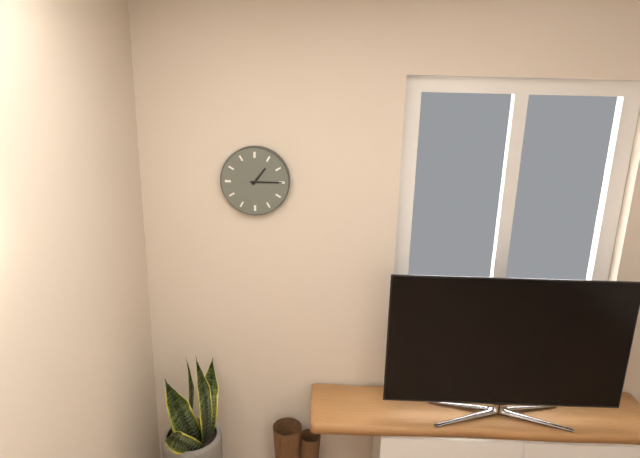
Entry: h=1 m=15
